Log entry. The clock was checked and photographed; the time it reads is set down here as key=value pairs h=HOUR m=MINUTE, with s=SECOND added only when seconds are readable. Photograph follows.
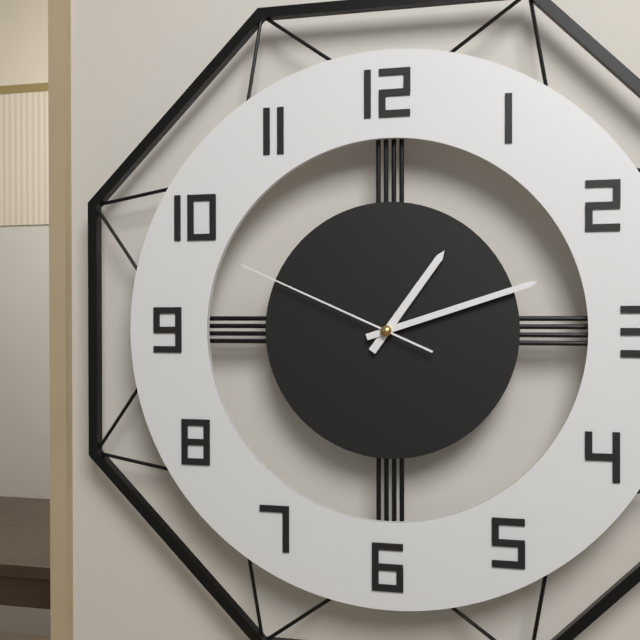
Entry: h=1 m=12 s=49
